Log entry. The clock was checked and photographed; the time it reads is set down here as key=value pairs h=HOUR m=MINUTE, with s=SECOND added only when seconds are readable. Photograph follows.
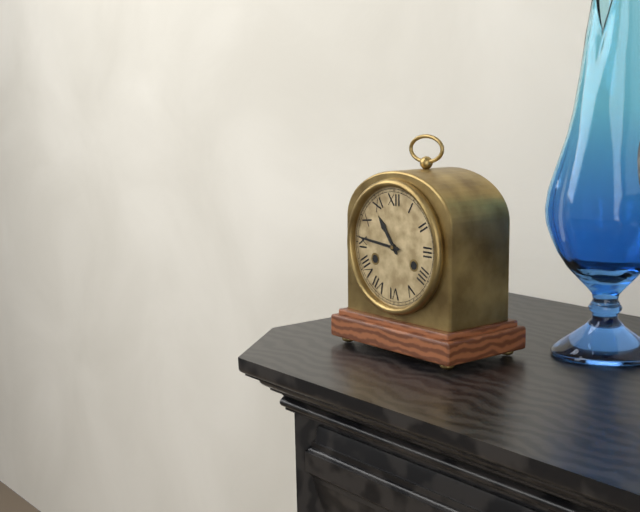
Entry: h=10 m=46
